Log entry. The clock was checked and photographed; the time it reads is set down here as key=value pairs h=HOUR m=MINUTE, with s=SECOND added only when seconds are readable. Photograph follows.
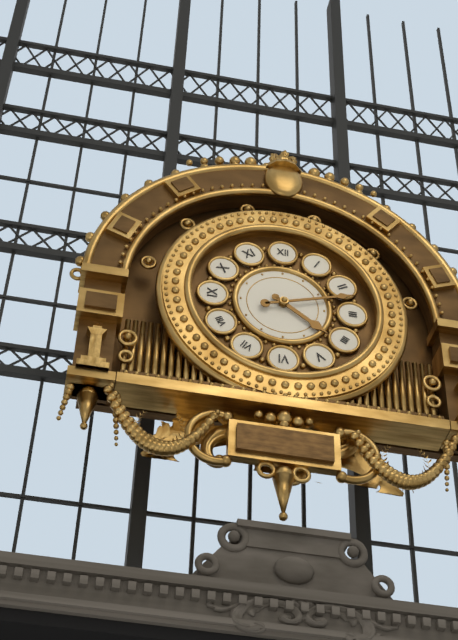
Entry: h=4 m=12
